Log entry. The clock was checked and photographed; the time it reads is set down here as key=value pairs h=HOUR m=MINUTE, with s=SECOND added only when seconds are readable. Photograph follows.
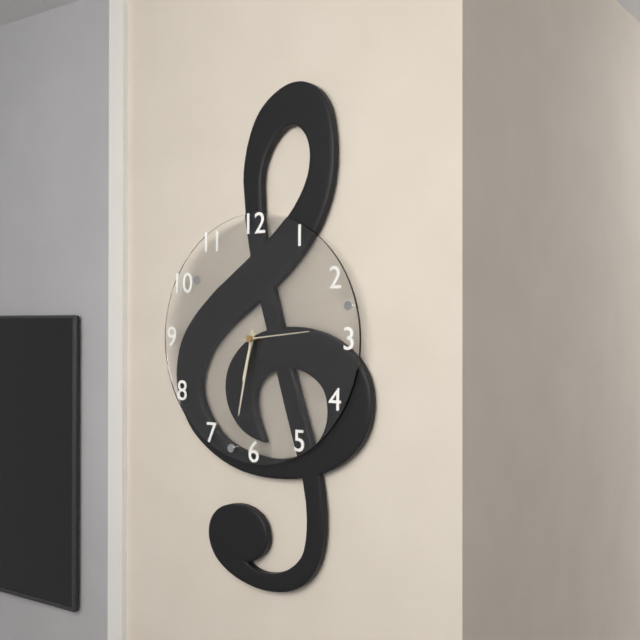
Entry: h=6 m=32 s=14
